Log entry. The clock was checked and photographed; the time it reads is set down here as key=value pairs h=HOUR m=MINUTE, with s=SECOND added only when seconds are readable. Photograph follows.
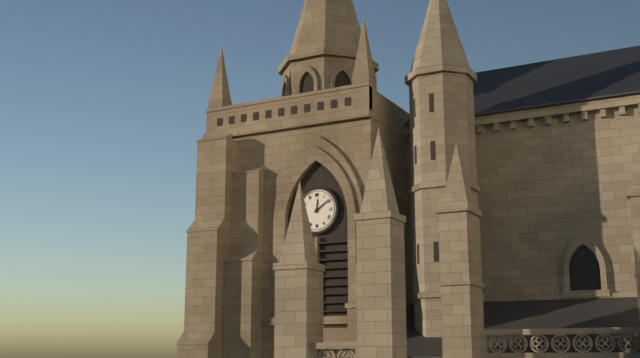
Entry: h=12 m=9
